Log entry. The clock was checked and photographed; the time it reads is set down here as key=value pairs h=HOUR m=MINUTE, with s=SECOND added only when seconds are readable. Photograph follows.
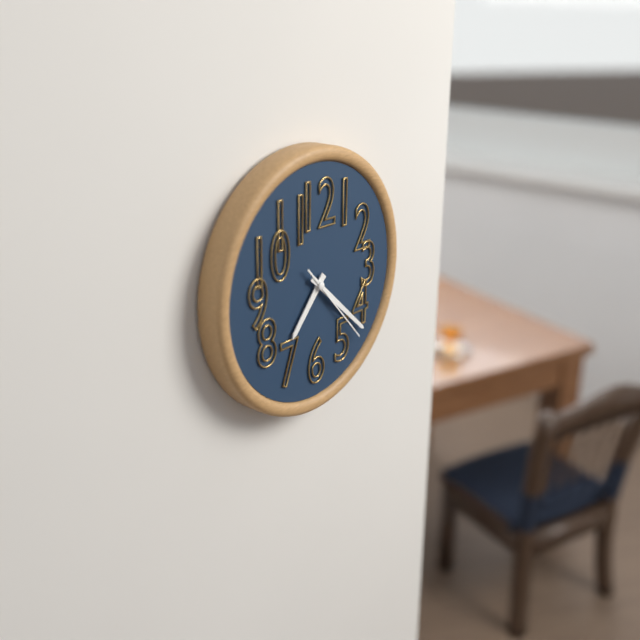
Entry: h=7 m=22 s=23
